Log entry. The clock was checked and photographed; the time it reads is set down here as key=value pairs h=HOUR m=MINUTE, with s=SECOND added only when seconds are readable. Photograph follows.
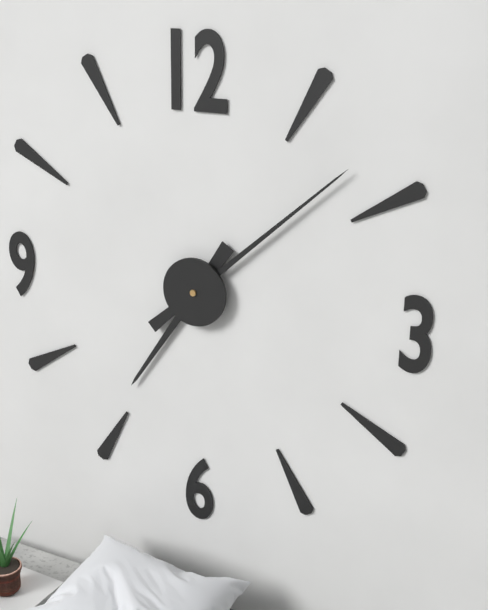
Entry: h=7 m=8
